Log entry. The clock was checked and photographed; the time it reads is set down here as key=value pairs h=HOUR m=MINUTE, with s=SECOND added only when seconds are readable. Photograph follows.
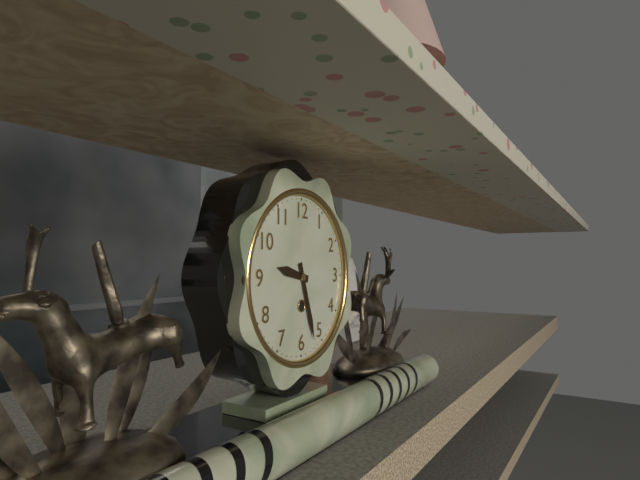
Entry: h=9 m=27
